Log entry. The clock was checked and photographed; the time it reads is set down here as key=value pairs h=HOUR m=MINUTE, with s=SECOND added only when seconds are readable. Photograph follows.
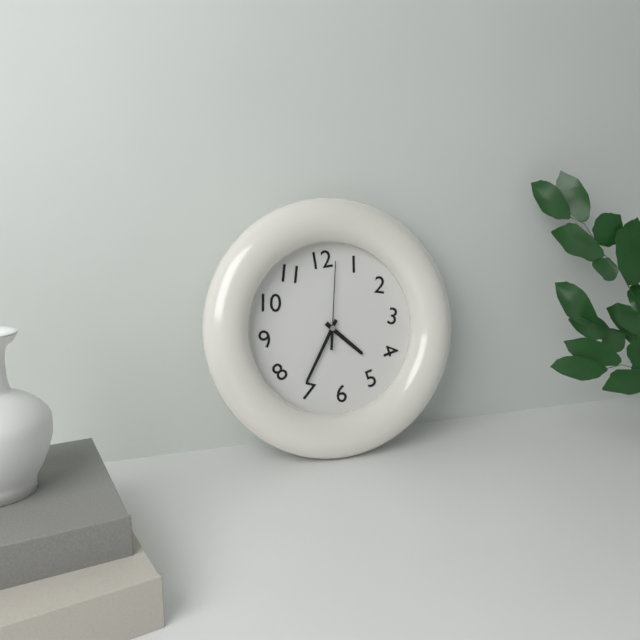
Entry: h=4 m=36 s=2
